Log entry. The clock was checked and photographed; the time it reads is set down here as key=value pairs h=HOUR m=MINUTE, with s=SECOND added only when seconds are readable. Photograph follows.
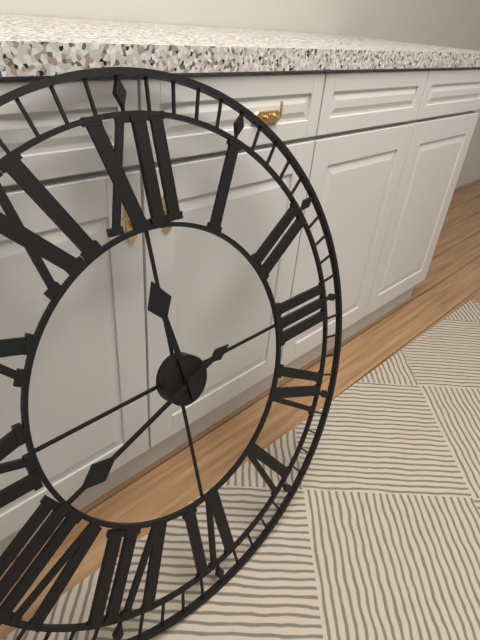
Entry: h=11 m=42
